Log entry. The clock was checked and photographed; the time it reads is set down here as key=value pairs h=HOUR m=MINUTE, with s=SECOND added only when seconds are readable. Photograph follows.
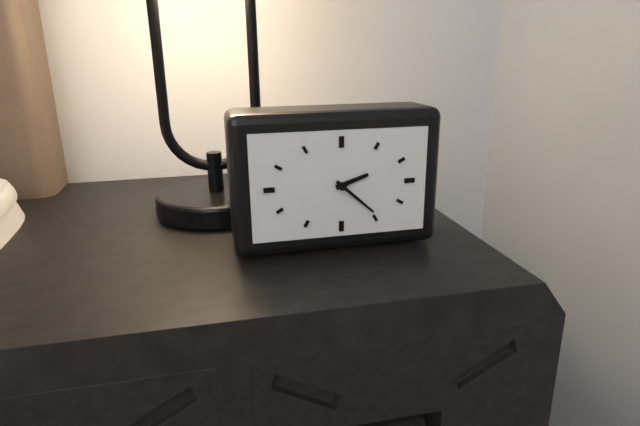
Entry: h=2 m=22
